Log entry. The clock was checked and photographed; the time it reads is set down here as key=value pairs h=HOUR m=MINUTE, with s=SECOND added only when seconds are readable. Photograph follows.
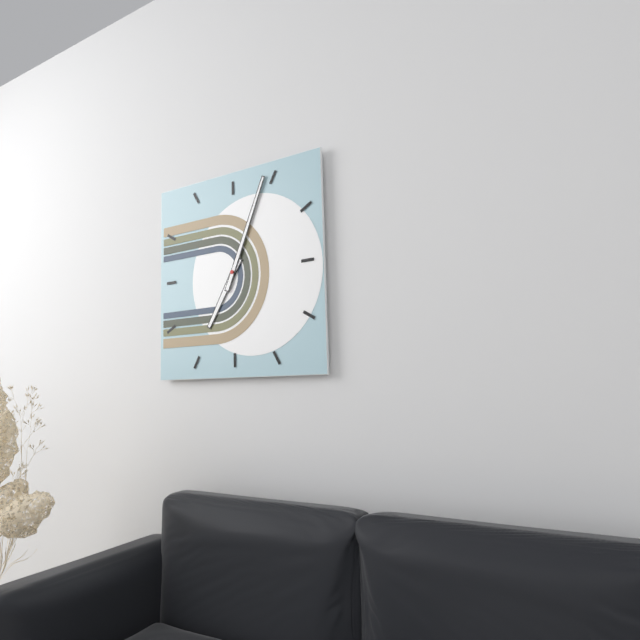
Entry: h=7 m=4
